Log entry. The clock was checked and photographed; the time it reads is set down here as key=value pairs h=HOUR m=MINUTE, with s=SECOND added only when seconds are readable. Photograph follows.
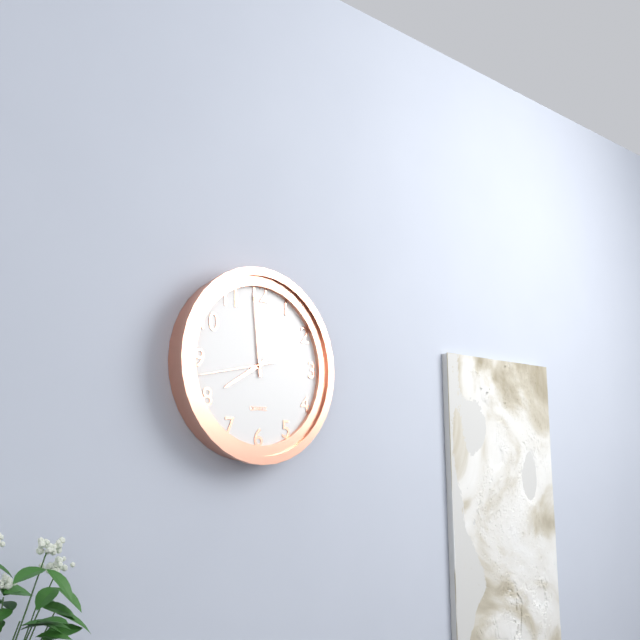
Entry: h=7 m=59 s=43
